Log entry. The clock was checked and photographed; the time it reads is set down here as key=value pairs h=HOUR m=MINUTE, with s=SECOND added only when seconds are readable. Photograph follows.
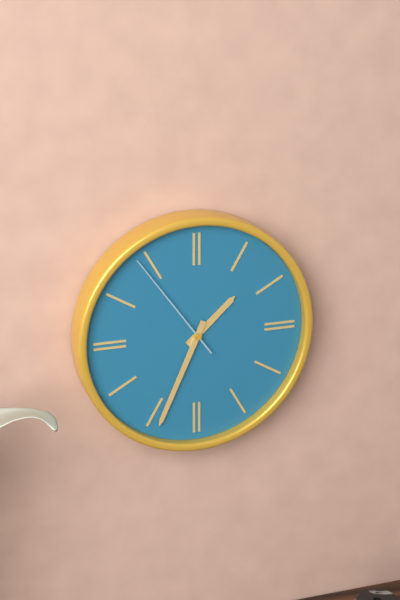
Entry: h=1 m=34 s=54
